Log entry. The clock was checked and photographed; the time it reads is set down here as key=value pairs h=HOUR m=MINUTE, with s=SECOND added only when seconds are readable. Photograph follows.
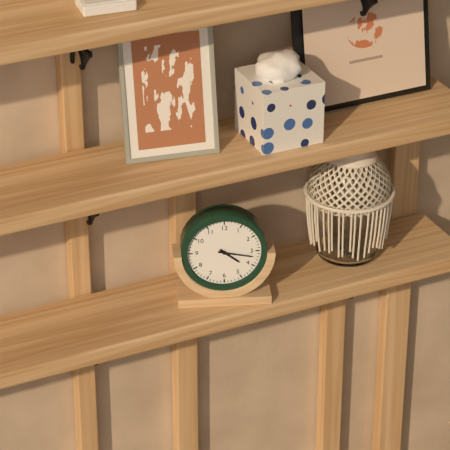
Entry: h=4 m=17
